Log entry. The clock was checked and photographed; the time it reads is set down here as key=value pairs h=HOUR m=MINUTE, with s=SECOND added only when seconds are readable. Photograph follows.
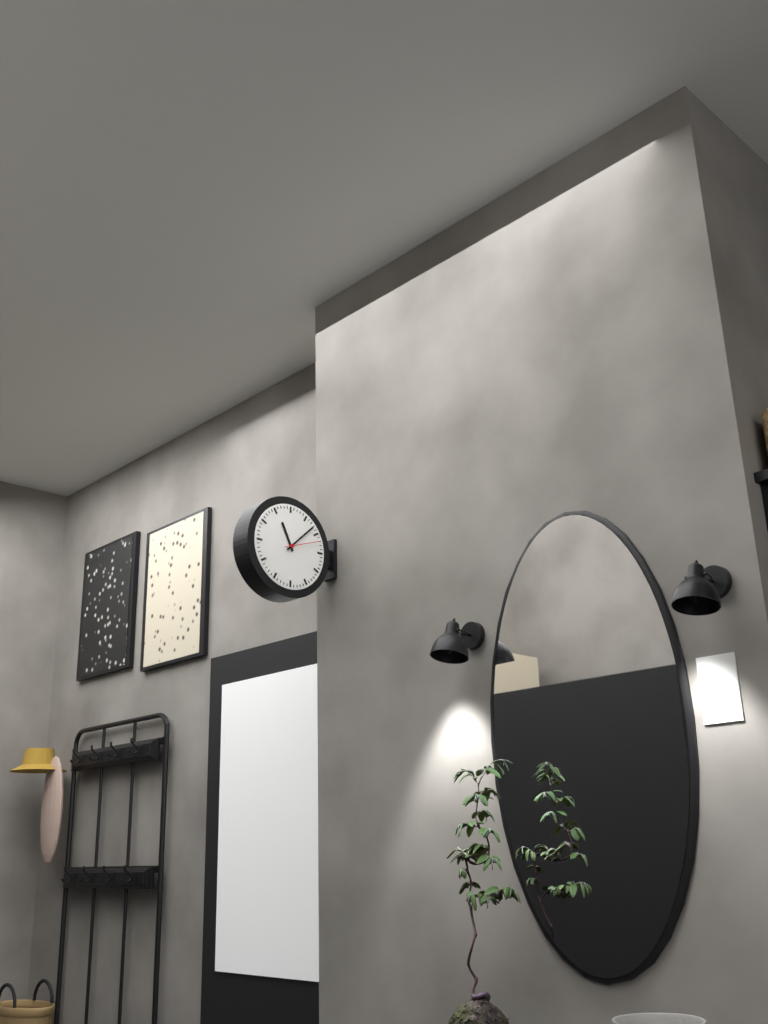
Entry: h=11 m=8
